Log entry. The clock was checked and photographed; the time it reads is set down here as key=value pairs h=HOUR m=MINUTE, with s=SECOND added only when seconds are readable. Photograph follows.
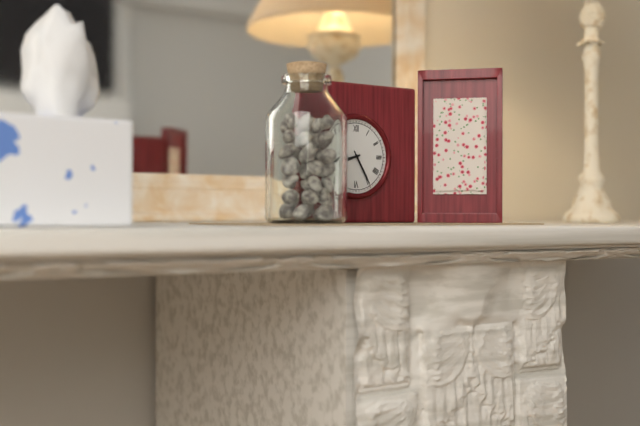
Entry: h=8 m=25
